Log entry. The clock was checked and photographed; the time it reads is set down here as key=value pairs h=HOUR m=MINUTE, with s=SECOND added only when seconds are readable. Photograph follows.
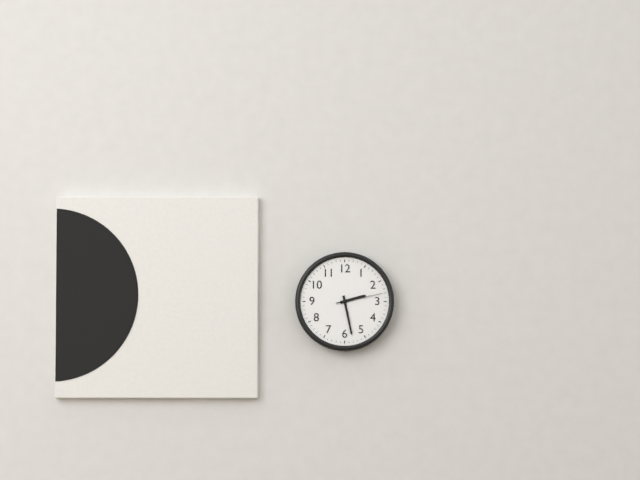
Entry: h=2 m=28
